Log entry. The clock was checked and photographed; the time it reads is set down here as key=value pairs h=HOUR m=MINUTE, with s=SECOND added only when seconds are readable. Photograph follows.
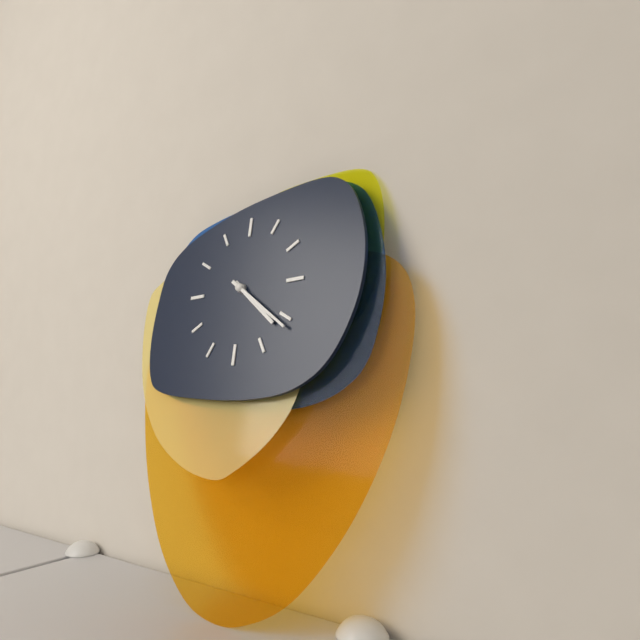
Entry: h=4 m=21
